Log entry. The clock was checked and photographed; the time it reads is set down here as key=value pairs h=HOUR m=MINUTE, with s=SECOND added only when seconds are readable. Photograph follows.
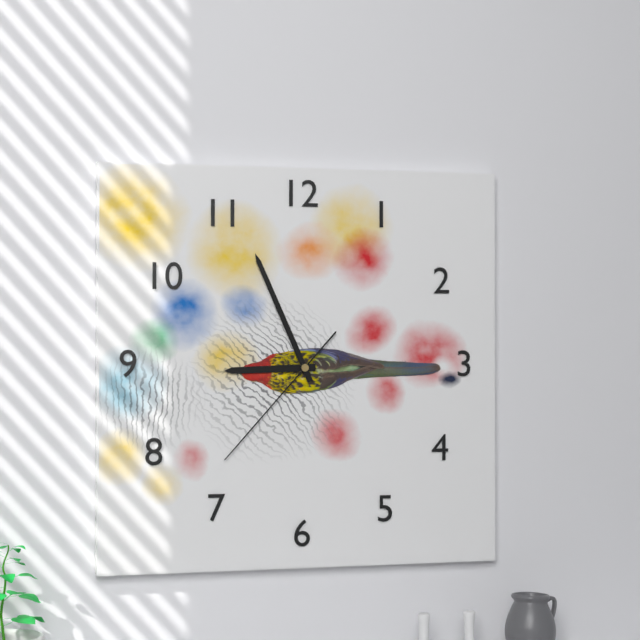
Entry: h=8 m=56 s=37
